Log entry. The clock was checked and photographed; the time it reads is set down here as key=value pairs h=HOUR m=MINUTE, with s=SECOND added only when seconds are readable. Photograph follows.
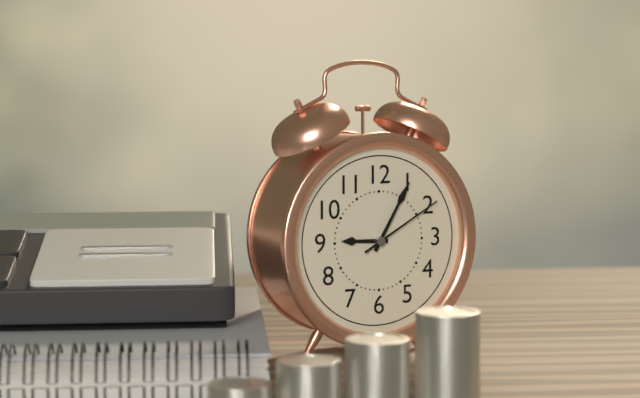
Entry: h=9 m=5 s=10
